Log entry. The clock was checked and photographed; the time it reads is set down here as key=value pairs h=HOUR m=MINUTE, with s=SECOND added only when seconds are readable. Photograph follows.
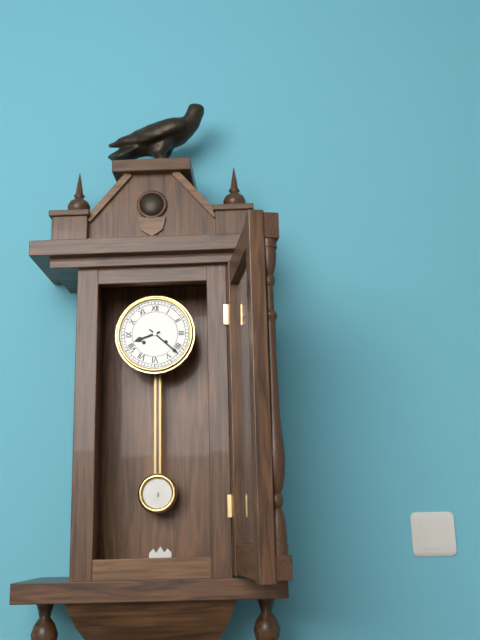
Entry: h=8 m=22
